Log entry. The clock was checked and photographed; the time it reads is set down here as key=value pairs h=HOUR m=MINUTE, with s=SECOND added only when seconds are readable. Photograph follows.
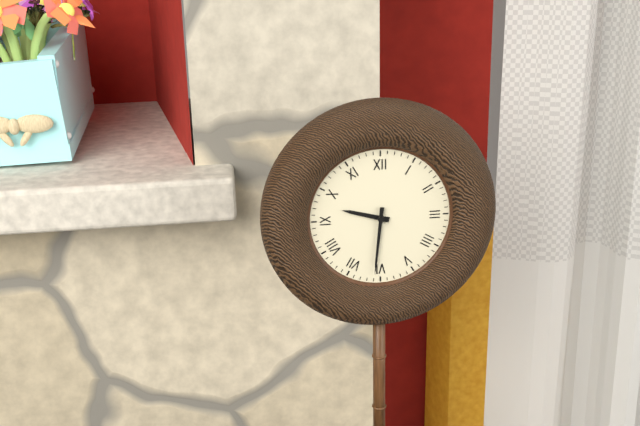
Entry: h=9 m=31
